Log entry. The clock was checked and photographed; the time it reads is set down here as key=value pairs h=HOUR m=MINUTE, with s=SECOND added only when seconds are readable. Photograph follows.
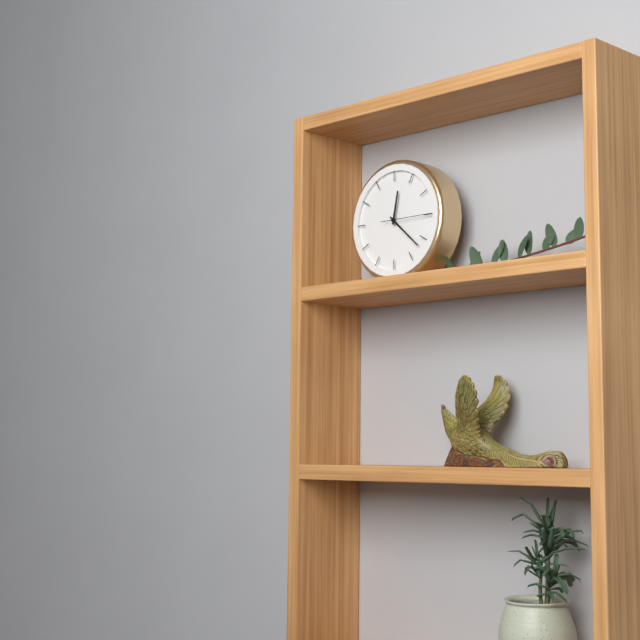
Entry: h=12 m=22
